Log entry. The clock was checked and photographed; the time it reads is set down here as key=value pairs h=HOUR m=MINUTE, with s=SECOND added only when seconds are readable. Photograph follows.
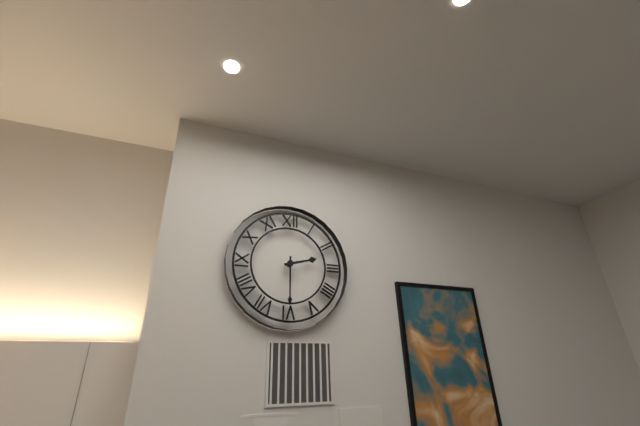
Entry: h=2 m=30
